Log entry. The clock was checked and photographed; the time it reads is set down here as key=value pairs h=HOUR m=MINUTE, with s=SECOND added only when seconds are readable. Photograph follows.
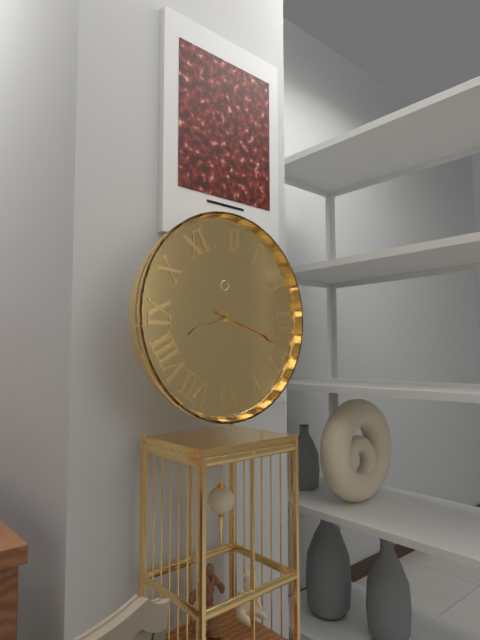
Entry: h=8 m=18
